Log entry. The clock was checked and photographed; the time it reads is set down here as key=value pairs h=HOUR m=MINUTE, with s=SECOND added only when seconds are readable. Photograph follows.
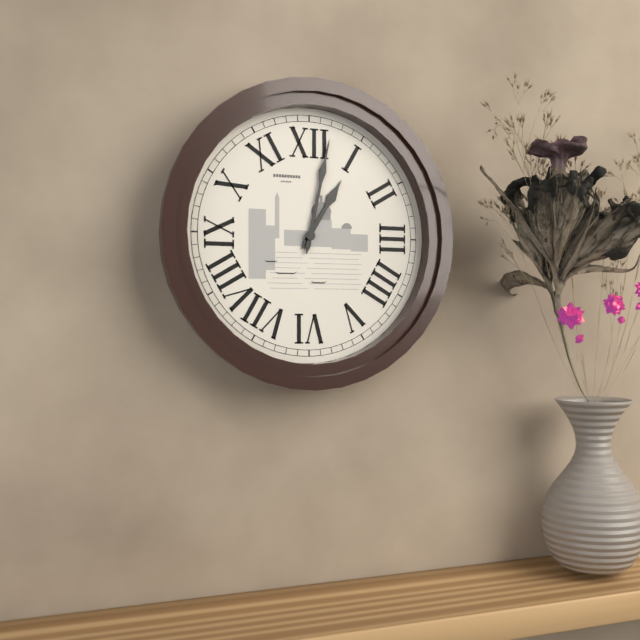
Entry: h=1 m=2
